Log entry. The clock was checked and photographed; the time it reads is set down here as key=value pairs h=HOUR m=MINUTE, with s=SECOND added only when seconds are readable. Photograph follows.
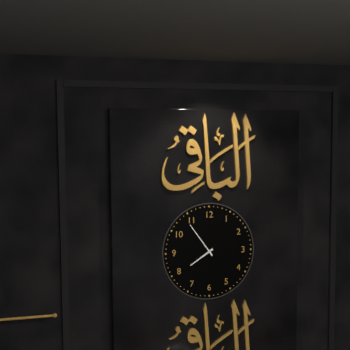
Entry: h=7 m=54
